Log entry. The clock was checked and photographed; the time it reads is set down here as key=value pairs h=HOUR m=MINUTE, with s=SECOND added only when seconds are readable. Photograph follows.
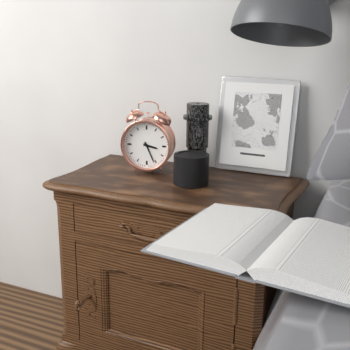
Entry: h=3 m=26
